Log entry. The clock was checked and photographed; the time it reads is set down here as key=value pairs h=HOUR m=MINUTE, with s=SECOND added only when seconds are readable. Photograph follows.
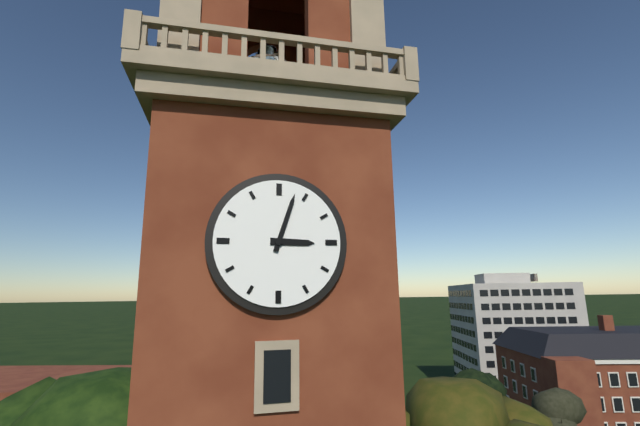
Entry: h=3 m=3
